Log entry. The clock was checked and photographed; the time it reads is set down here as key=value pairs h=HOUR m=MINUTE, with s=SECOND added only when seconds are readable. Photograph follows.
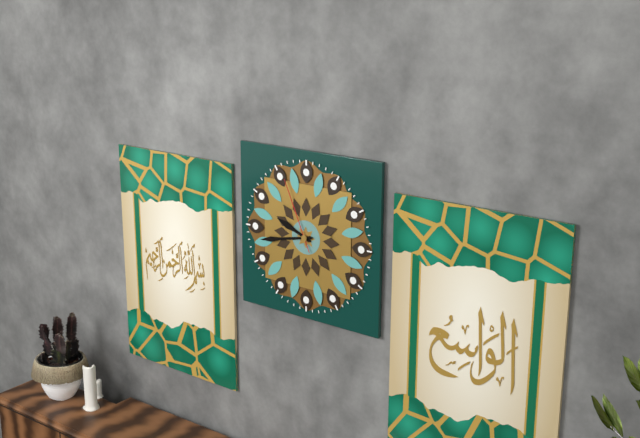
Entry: h=9 m=43 s=56
